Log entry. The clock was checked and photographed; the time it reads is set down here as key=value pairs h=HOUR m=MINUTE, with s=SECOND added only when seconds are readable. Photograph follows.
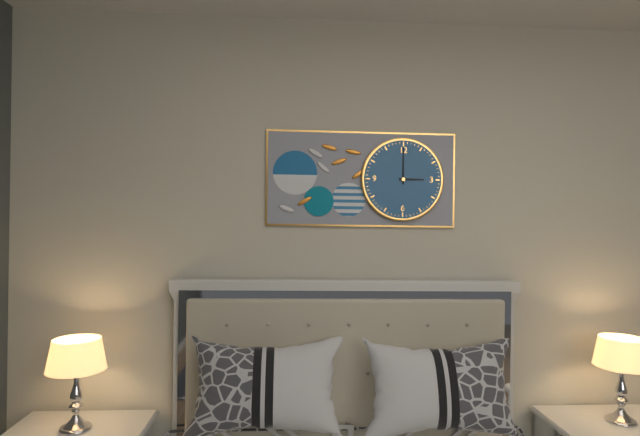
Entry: h=3 m=0
